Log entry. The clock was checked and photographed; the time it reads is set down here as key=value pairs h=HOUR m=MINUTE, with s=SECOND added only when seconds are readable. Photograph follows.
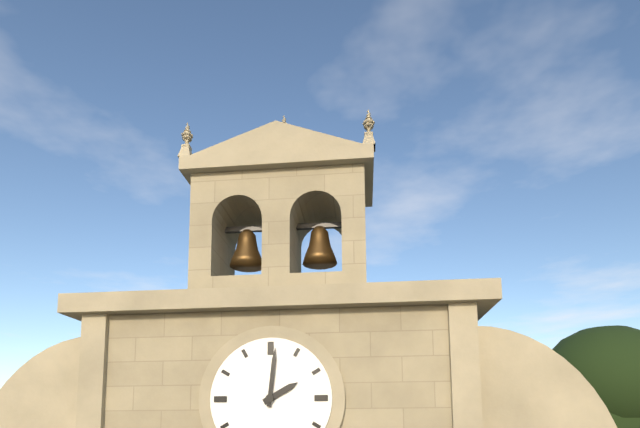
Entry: h=2 m=1
